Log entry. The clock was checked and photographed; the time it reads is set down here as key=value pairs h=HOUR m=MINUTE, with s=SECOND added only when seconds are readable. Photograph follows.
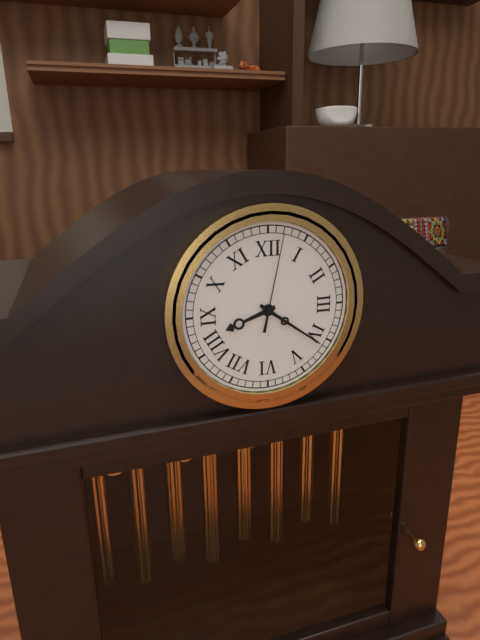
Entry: h=8 m=21 s=2
